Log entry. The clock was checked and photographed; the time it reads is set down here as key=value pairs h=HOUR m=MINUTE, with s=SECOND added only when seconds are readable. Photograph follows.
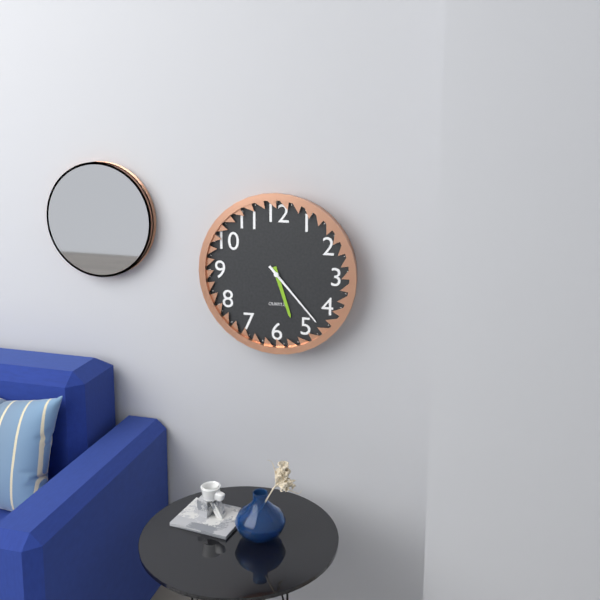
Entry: h=5 m=23
